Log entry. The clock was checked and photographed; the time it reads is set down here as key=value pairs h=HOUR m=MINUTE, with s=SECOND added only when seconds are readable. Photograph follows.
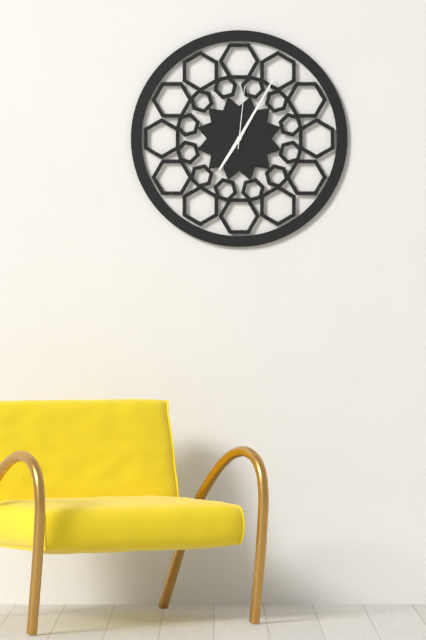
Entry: h=7 m=5 s=1
